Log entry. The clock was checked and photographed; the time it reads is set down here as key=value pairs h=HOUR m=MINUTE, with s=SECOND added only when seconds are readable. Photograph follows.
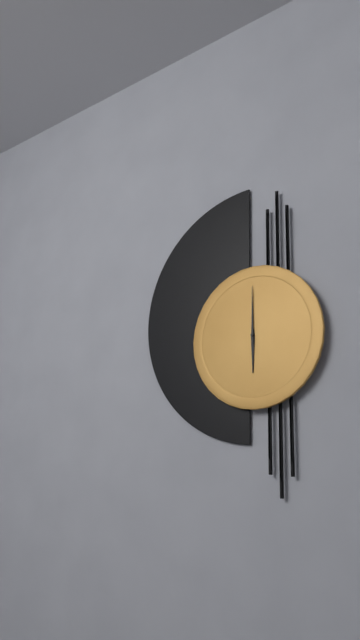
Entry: h=6 m=0
